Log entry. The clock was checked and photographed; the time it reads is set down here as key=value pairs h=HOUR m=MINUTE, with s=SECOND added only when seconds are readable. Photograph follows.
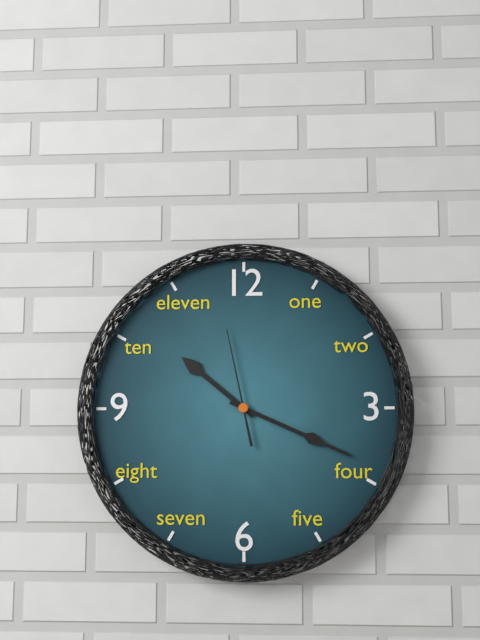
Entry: h=10 m=19 s=58
